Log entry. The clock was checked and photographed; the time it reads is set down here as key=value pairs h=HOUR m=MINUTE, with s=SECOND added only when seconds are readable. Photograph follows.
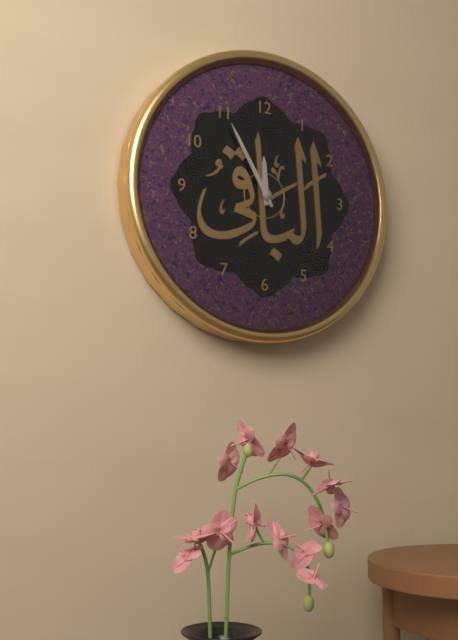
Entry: h=11 m=55
